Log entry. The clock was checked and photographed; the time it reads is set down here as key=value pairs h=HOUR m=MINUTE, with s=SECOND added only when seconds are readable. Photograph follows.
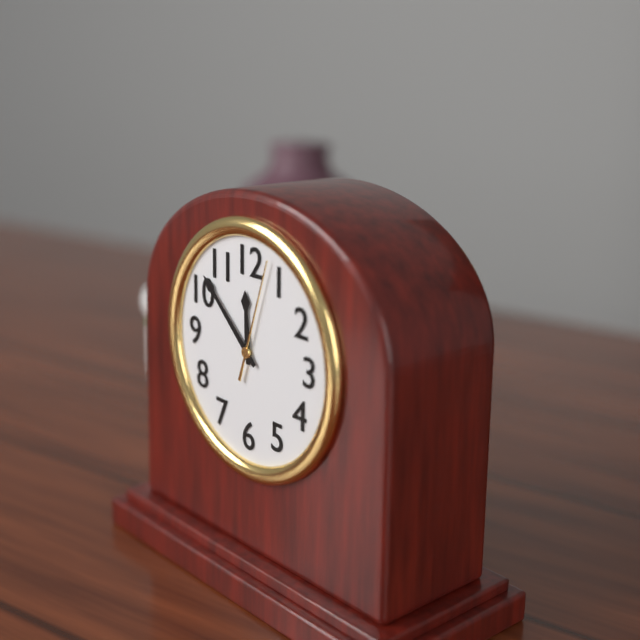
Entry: h=11 m=52 s=3
